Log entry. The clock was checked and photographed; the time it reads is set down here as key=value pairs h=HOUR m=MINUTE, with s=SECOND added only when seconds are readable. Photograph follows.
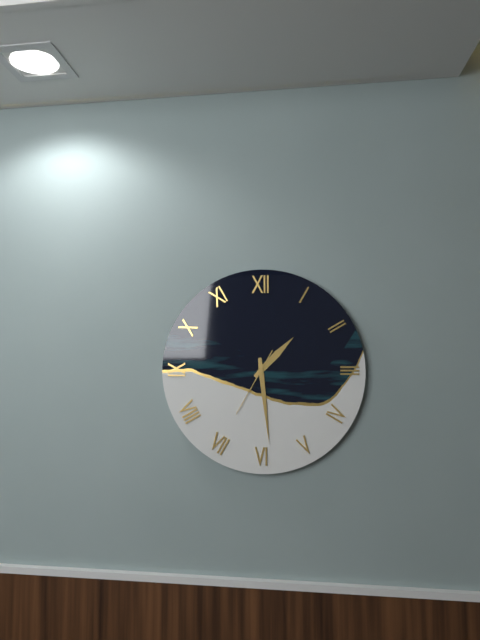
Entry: h=1 m=29 s=35
